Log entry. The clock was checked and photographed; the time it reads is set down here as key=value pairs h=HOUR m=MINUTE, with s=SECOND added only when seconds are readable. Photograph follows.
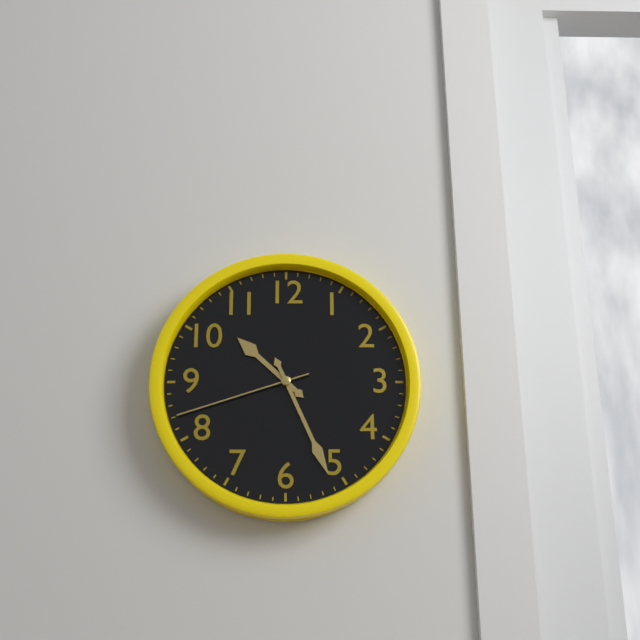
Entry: h=10 m=26 s=42
